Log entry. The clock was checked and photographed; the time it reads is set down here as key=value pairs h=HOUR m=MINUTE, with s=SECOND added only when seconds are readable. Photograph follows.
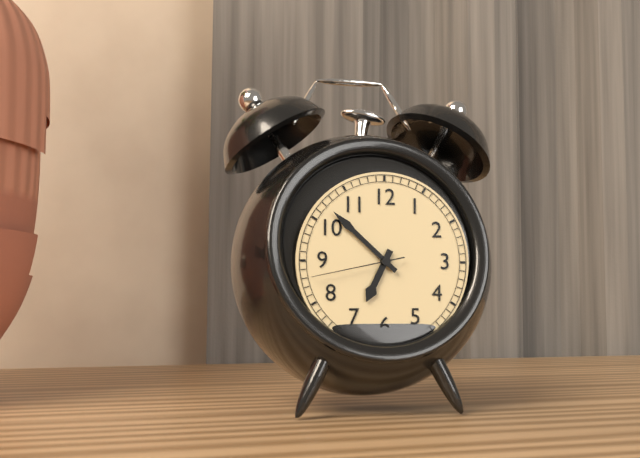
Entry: h=6 m=52 s=43
